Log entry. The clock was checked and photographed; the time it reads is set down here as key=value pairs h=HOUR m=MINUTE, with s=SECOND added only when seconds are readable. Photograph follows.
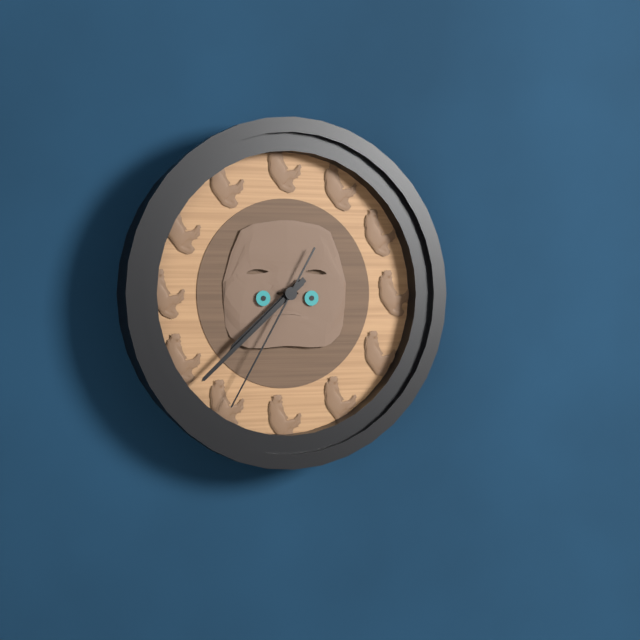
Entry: h=7 m=38 s=35
